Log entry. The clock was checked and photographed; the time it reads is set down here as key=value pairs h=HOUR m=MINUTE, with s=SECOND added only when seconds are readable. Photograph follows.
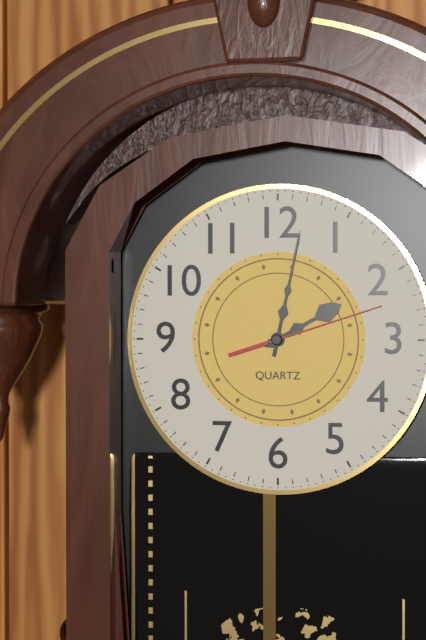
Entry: h=2 m=2 s=12
